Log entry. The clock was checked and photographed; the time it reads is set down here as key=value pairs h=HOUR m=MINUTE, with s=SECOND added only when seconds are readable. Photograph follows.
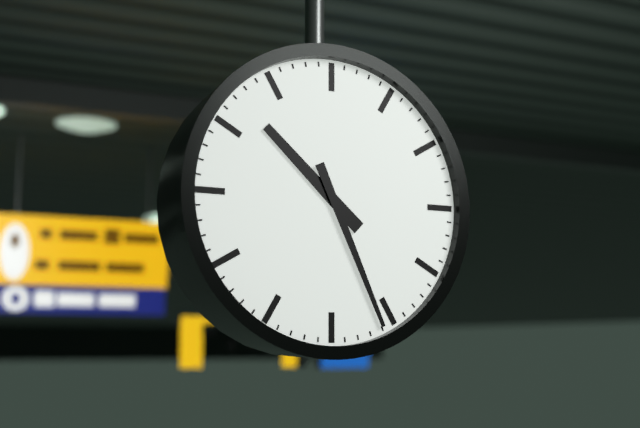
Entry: h=10 m=26
